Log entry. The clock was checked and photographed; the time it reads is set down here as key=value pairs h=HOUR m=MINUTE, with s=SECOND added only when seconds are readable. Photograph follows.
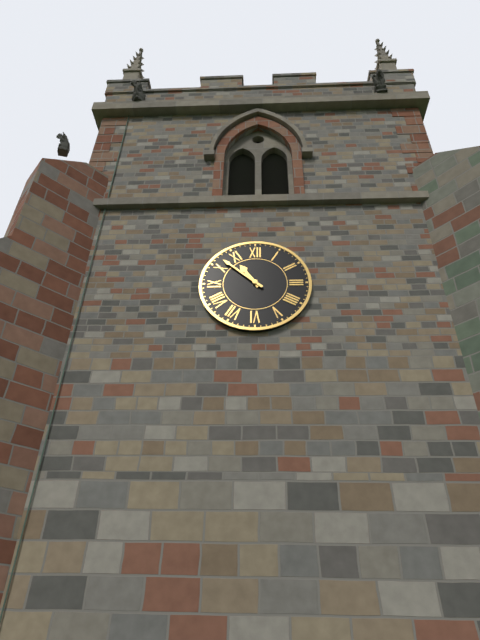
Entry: h=10 m=52
